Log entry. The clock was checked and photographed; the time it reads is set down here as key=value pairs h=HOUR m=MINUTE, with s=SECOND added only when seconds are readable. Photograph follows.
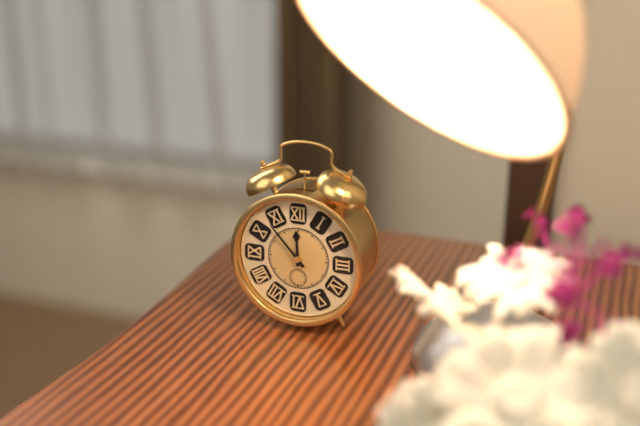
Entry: h=11 m=53
